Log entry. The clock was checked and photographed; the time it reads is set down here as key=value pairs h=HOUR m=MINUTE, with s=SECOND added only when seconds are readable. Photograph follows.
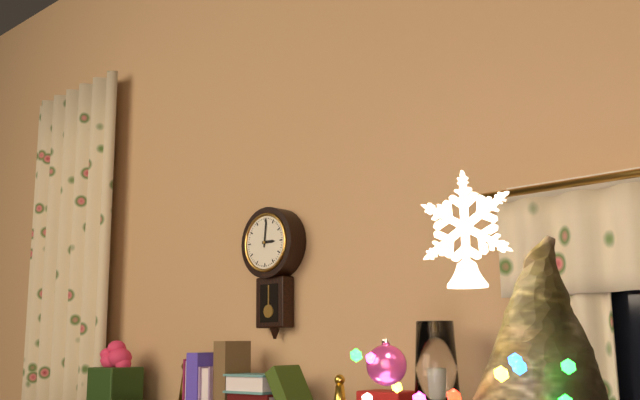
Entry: h=3 m=1
